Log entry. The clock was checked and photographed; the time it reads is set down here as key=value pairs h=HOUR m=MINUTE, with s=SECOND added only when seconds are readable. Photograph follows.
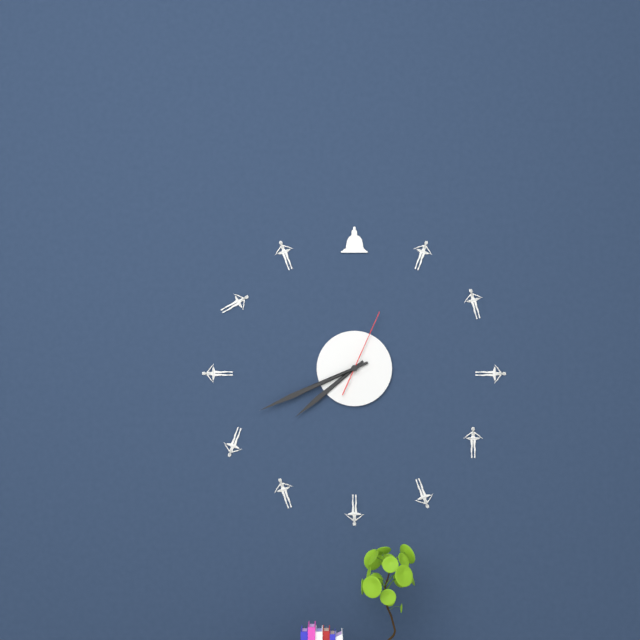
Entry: h=7 m=41 s=4
